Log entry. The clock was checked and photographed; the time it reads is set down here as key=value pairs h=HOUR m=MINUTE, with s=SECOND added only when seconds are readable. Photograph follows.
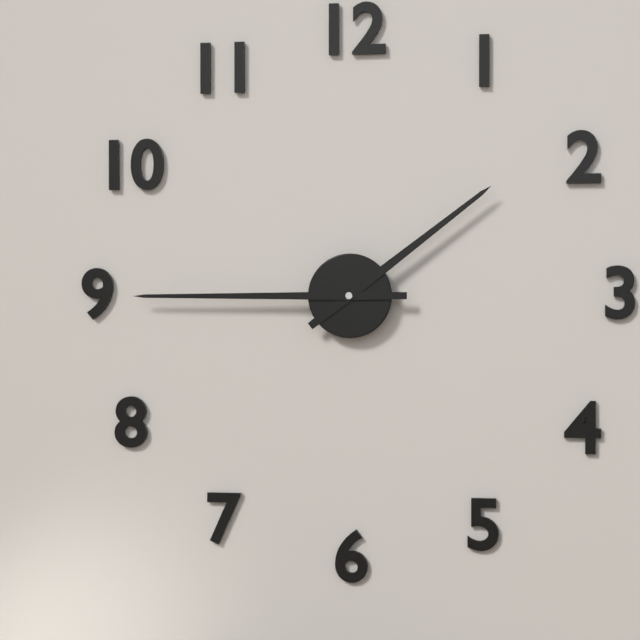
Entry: h=1 m=45
